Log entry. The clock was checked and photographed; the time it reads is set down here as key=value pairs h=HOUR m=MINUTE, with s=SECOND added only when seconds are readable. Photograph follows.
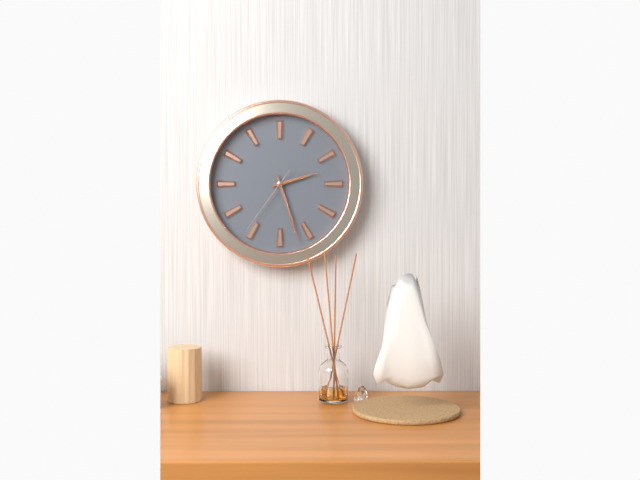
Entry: h=2 m=27 s=36
